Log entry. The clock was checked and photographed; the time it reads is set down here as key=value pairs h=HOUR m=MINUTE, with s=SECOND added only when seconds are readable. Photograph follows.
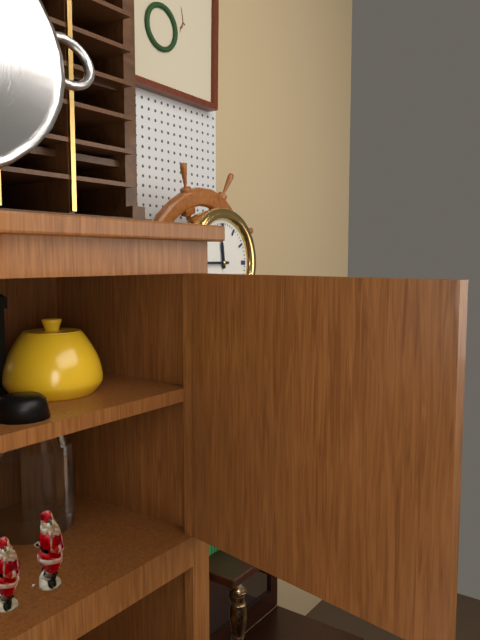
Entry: h=11 m=45
